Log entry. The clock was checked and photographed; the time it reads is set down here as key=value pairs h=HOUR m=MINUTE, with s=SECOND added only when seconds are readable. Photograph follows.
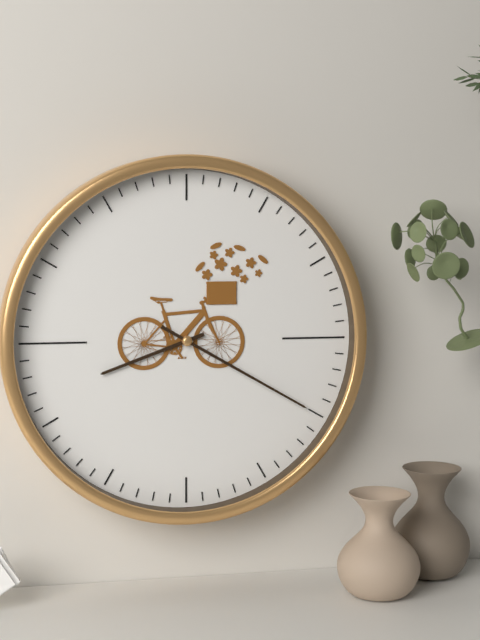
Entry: h=8 m=20
